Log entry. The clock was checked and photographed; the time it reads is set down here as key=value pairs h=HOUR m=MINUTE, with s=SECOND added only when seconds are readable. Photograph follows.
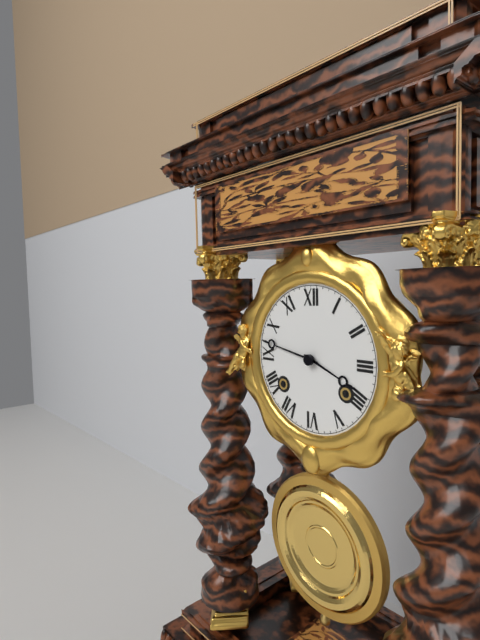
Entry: h=3 m=47
